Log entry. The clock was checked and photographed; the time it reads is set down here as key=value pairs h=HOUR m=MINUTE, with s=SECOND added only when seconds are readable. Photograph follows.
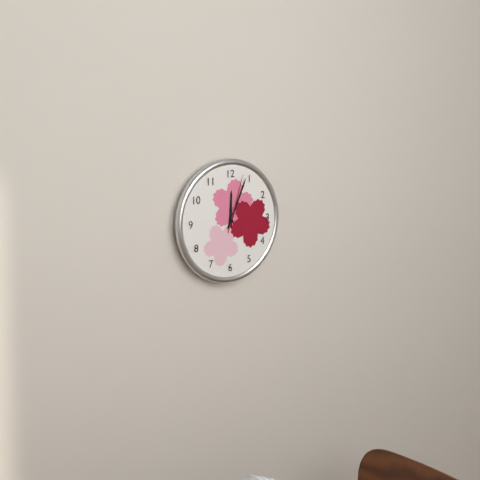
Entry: h=12 m=4 s=3
